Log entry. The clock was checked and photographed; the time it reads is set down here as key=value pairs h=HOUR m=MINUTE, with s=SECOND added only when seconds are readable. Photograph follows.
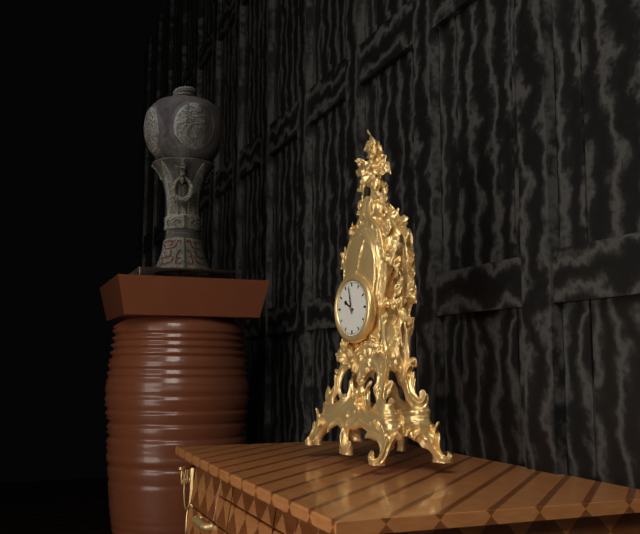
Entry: h=9 m=58
